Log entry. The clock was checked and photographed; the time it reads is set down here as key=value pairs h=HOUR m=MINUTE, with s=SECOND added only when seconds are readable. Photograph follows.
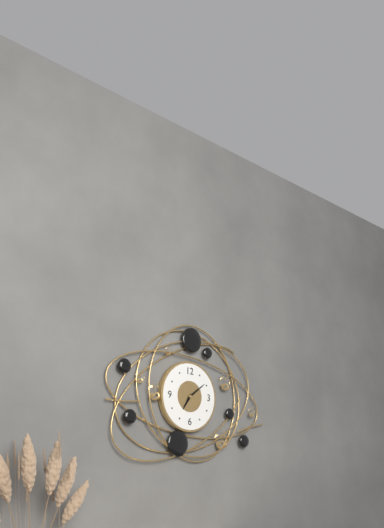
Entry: h=7 m=9
